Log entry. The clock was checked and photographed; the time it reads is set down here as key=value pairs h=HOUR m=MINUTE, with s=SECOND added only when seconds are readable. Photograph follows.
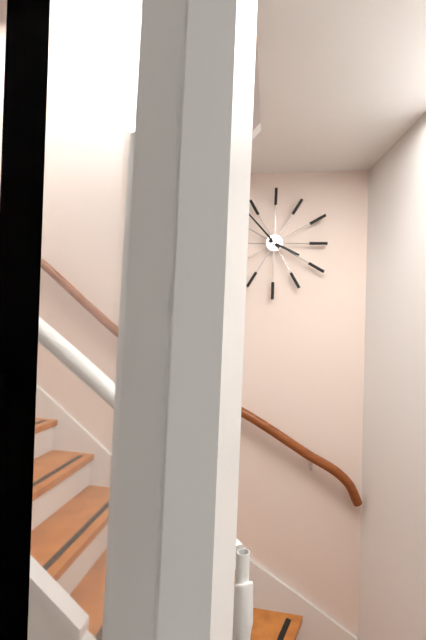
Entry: h=3 m=53
